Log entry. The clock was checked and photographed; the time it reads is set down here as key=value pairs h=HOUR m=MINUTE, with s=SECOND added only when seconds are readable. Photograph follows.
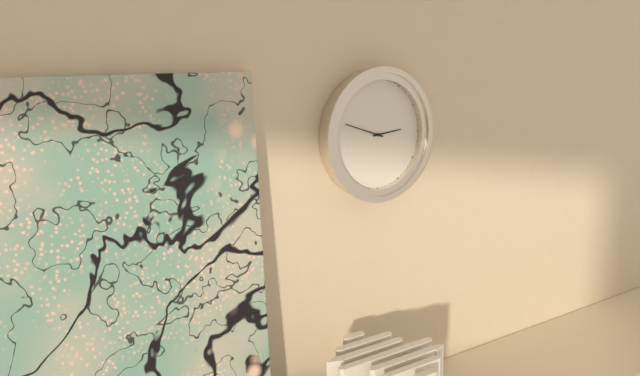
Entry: h=2 m=48
